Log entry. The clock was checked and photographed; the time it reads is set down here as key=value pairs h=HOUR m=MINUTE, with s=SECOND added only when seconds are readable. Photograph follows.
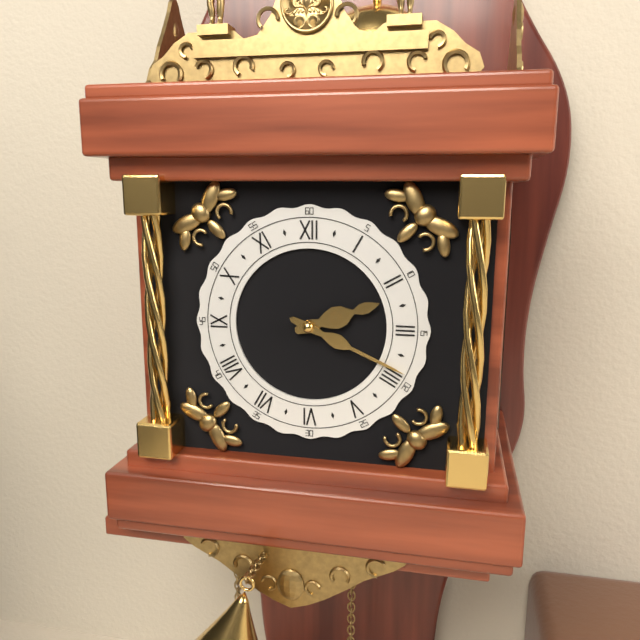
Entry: h=2 m=19
